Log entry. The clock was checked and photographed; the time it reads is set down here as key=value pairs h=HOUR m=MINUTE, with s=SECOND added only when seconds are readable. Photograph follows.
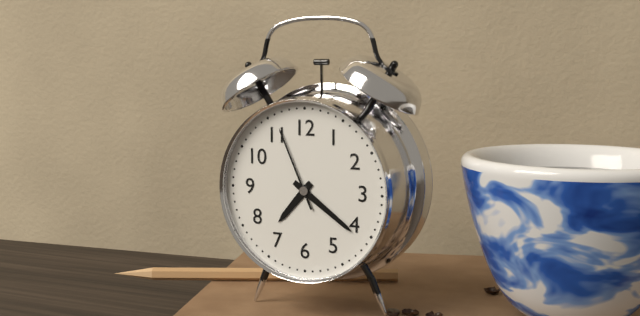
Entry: h=7 m=21 s=56
